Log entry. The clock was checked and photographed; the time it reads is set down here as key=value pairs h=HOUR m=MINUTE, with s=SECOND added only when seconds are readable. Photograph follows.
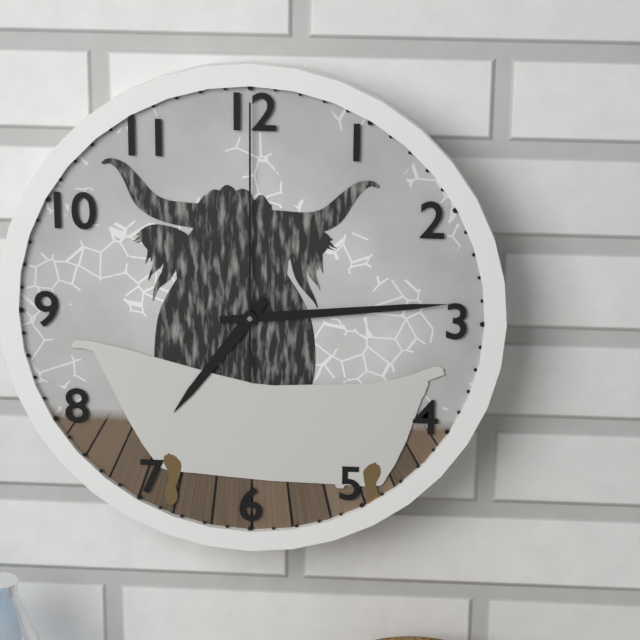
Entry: h=7 m=14 s=0
